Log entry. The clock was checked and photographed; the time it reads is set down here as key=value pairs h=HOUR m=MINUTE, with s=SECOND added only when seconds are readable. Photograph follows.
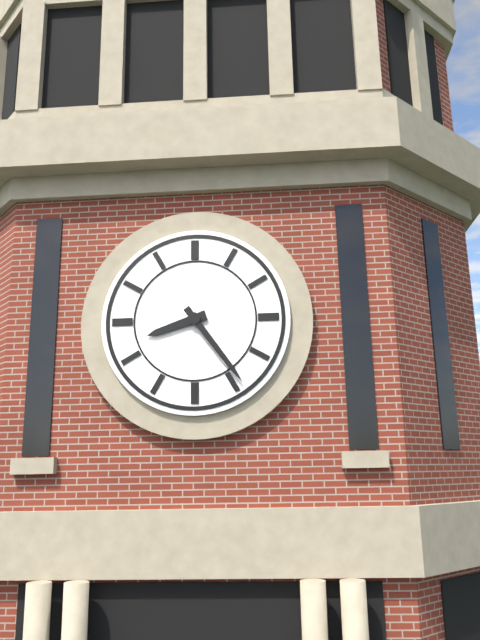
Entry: h=8 m=24
